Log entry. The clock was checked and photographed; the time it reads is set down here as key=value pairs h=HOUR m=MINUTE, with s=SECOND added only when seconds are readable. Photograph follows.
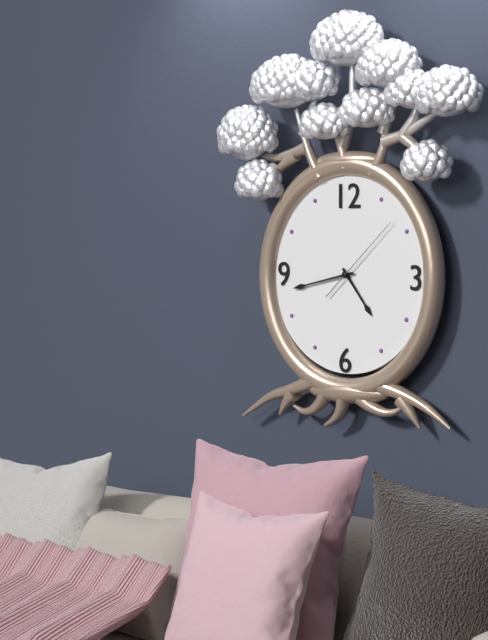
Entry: h=4 m=43 s=8
